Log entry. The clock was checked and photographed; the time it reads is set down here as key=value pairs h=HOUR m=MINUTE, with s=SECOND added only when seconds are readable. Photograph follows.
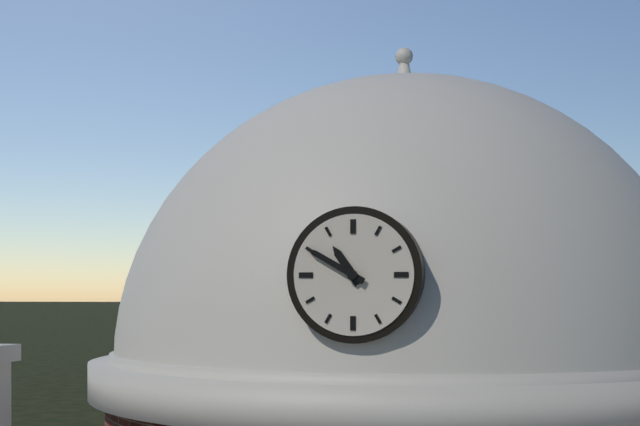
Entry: h=10 m=50
